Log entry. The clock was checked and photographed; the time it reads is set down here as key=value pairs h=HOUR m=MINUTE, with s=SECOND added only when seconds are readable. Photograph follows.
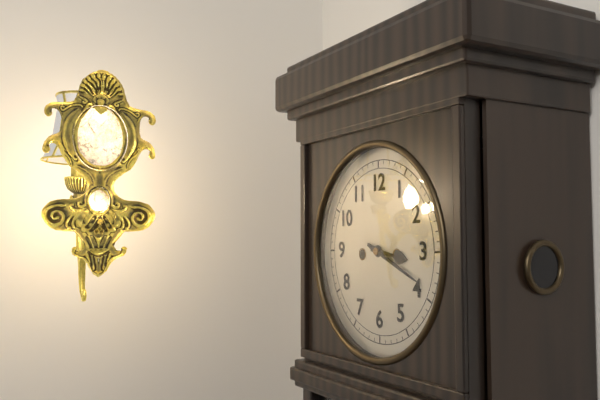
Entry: h=3 m=19
